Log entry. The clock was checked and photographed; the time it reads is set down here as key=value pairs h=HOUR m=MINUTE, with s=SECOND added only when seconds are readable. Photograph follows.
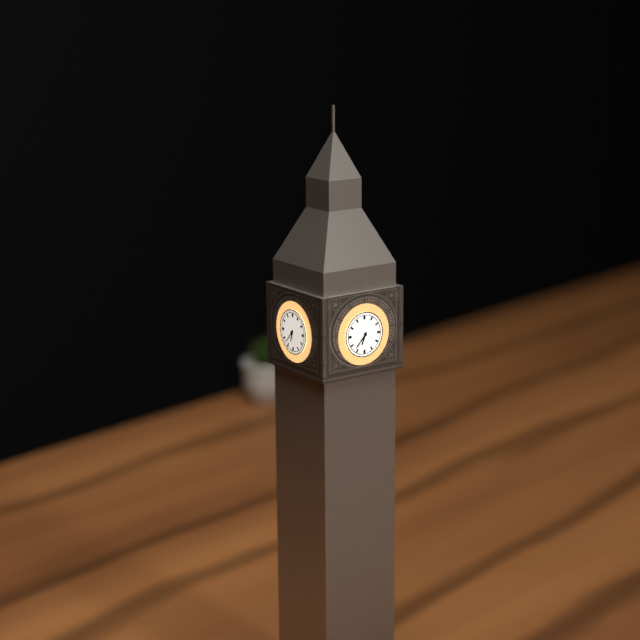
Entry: h=6 m=37
